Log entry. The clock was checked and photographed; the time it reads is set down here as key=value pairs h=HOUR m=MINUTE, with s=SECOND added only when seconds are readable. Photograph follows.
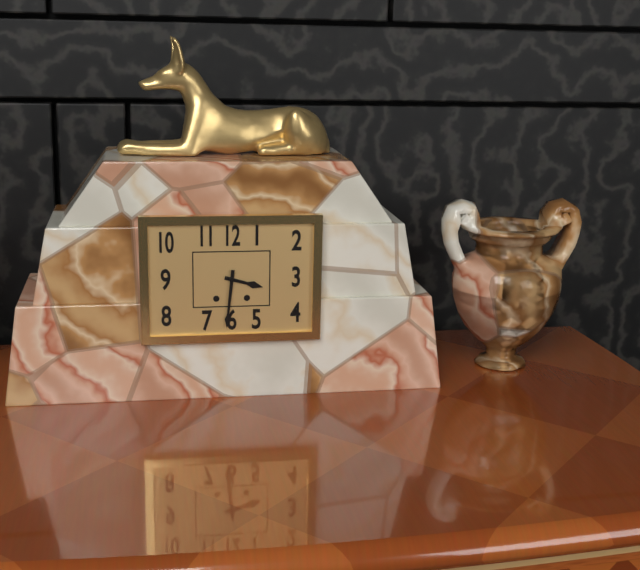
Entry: h=3 m=31
